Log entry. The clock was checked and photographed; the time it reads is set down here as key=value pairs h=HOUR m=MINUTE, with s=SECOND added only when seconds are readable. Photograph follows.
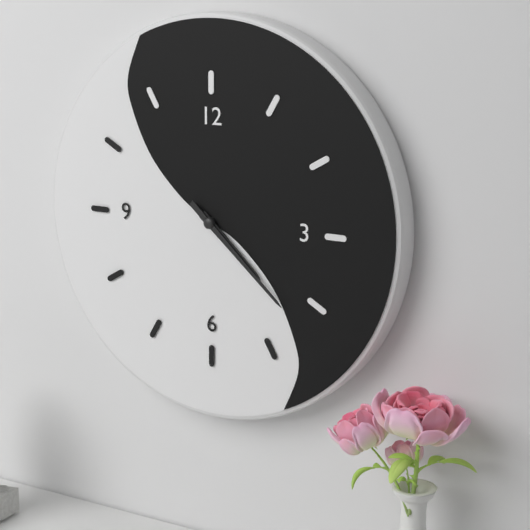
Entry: h=4 m=22
